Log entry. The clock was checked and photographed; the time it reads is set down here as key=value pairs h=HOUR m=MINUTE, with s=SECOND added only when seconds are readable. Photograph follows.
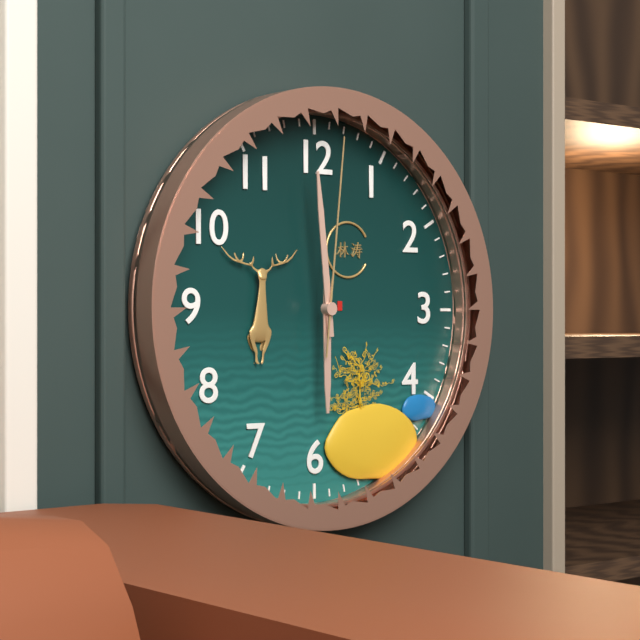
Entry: h=5 m=59 s=1
